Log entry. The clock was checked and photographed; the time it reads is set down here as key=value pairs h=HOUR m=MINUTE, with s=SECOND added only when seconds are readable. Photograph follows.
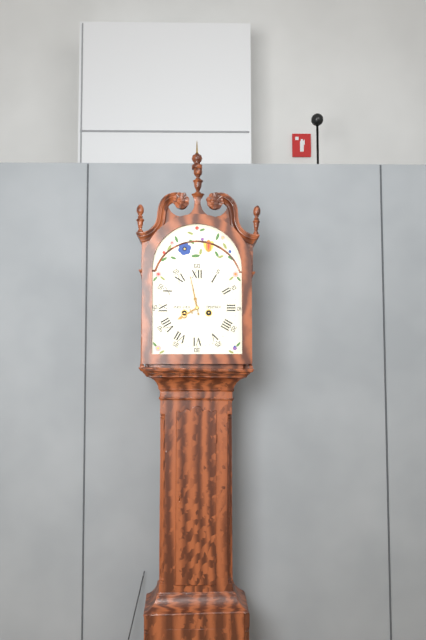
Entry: h=7 m=58
